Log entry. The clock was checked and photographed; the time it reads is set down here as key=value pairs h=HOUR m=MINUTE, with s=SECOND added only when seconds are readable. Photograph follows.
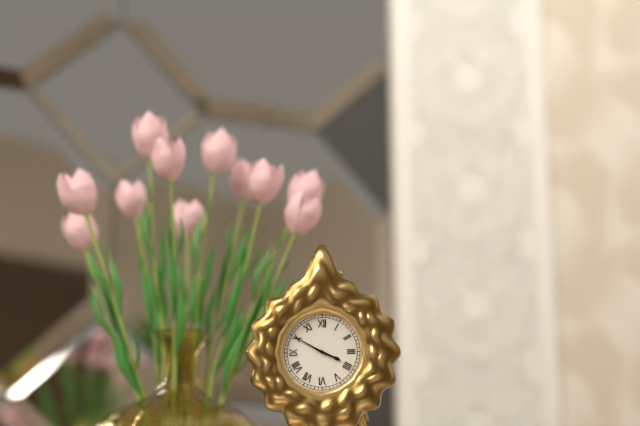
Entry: h=3 m=50
